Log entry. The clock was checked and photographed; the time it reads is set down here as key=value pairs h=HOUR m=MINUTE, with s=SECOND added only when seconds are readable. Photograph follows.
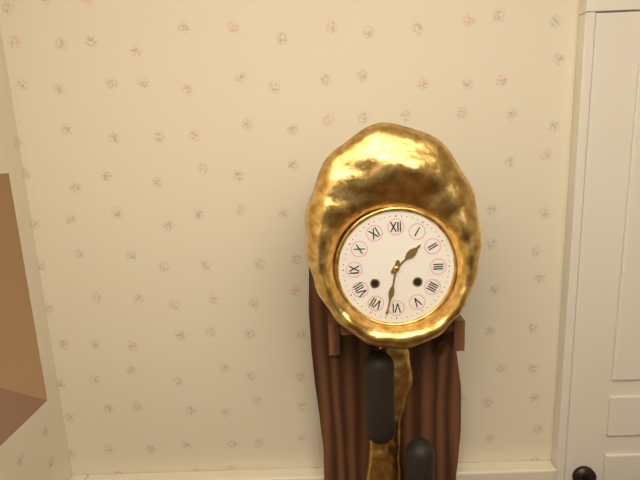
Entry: h=1 m=32
